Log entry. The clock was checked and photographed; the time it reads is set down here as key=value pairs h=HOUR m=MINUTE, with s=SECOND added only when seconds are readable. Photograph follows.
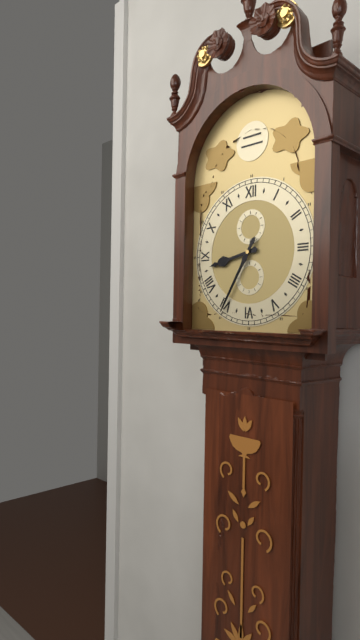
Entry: h=8 m=35
